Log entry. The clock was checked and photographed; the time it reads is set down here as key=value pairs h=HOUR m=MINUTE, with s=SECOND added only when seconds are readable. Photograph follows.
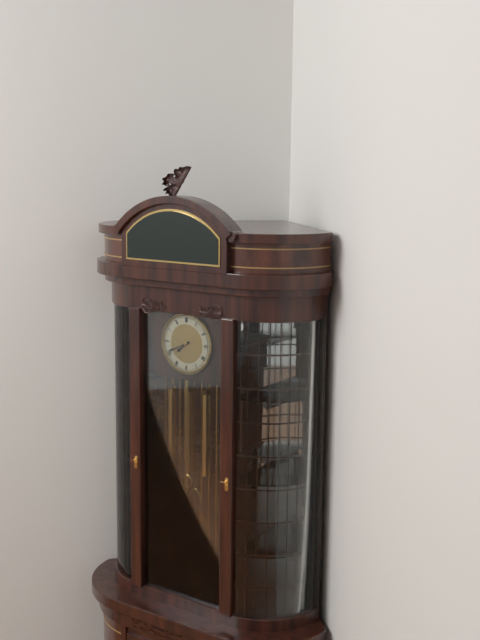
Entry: h=7 m=41
